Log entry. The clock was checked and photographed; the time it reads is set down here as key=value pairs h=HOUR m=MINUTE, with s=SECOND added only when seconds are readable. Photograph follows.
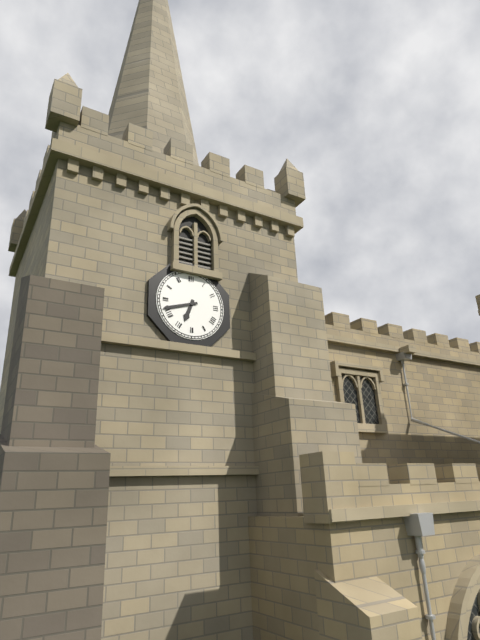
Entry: h=6 m=42
